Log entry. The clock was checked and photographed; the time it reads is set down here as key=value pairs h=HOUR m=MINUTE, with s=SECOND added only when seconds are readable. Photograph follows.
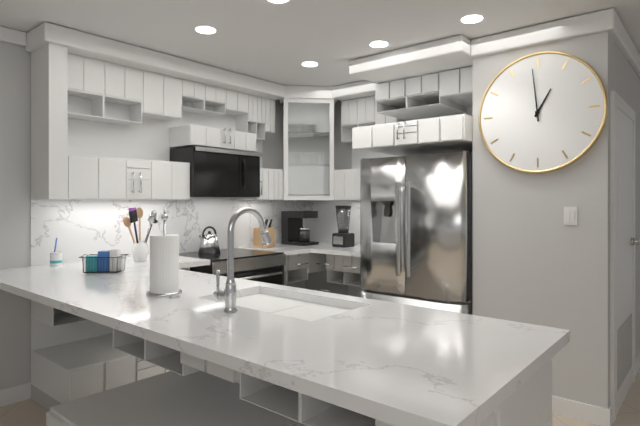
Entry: h=12 m=59
